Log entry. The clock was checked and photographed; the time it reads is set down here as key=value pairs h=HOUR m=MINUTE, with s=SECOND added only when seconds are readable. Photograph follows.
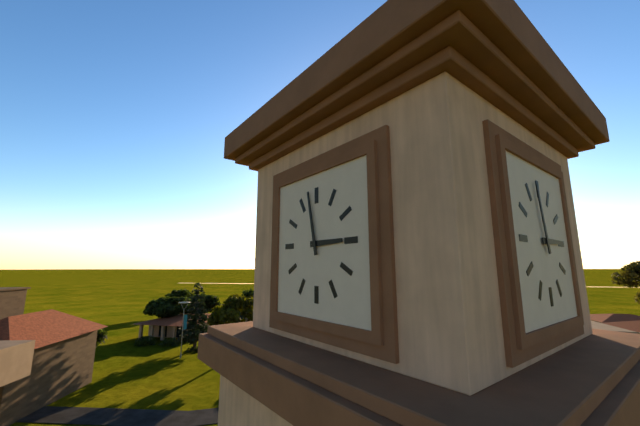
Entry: h=2 m=58
